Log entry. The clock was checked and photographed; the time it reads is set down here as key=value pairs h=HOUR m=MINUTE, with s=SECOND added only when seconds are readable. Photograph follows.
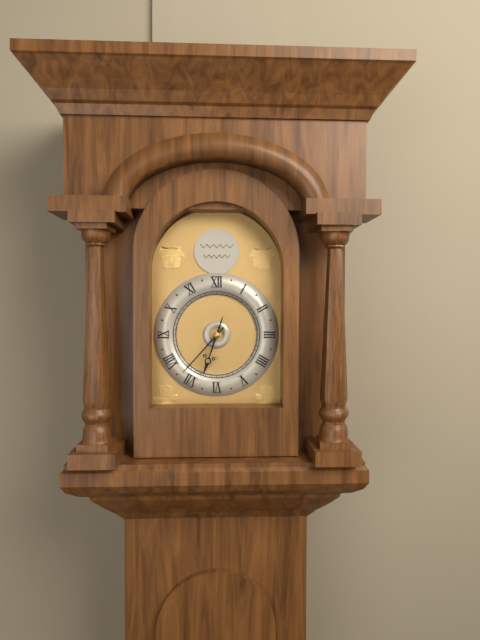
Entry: h=6 m=37
